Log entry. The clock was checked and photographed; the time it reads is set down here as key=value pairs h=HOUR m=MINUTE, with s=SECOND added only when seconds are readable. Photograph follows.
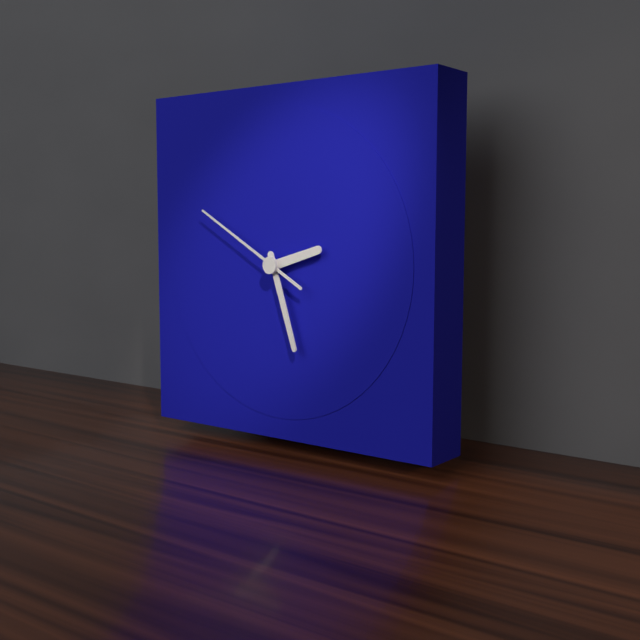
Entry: h=2 m=27 s=50
